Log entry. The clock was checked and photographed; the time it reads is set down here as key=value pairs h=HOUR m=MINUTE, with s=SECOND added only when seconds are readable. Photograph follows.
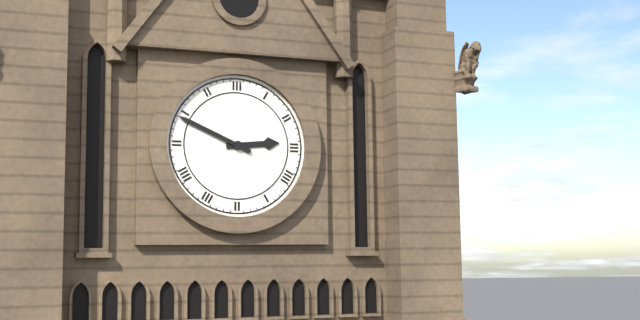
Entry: h=2 m=49
